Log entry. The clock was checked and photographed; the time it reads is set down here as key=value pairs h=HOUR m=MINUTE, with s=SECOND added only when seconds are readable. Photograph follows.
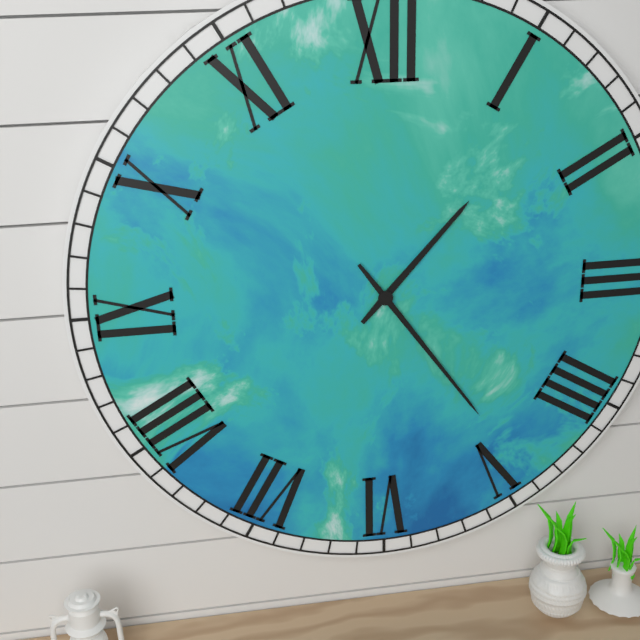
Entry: h=1 m=24
